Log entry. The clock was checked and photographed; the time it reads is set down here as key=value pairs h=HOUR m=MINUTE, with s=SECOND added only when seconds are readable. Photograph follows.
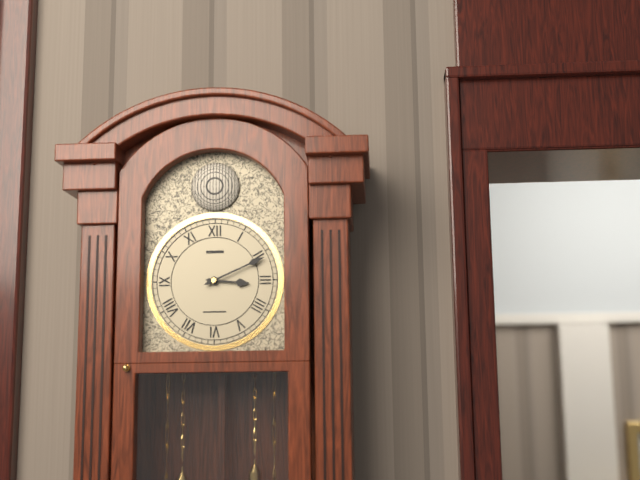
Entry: h=3 m=11
